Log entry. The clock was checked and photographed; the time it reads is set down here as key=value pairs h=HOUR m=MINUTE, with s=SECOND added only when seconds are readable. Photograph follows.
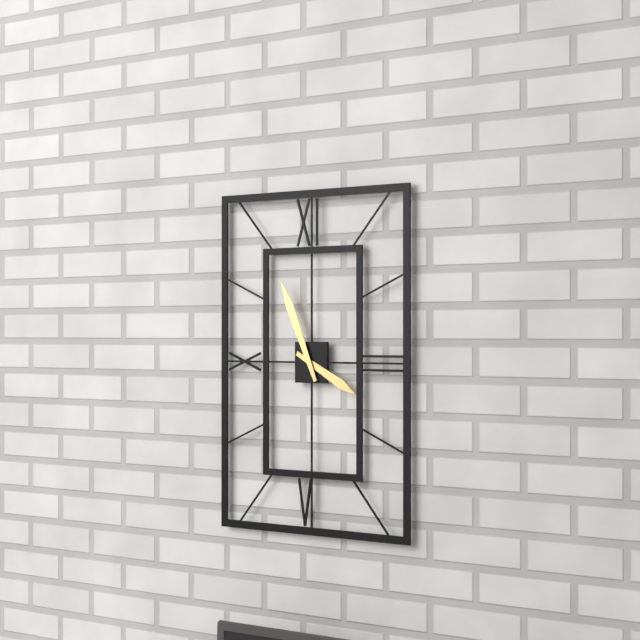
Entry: h=3 m=56
